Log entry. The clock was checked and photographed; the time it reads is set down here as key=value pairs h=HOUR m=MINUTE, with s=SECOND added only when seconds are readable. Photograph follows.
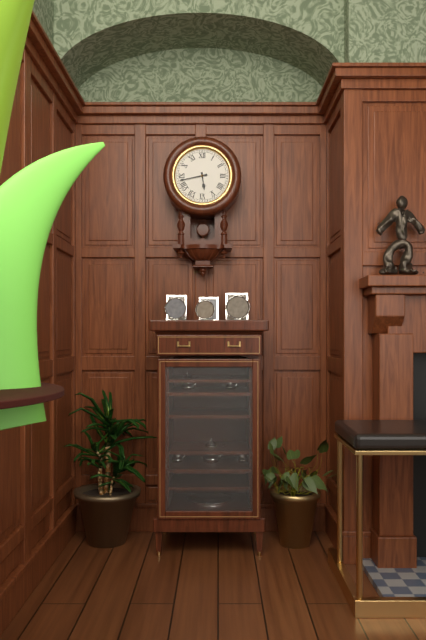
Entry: h=5 m=43
